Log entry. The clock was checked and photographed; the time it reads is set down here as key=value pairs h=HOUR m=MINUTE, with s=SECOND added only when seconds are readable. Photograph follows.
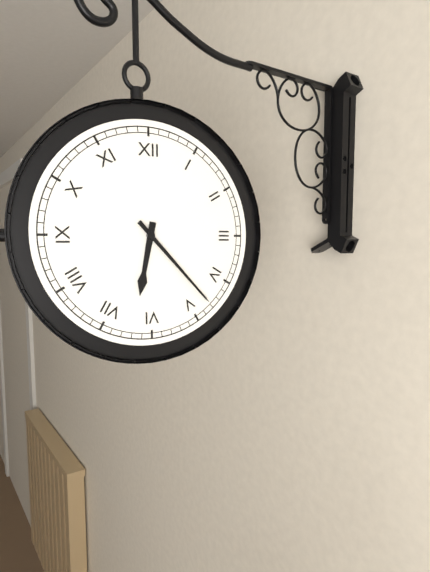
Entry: h=6 m=23
